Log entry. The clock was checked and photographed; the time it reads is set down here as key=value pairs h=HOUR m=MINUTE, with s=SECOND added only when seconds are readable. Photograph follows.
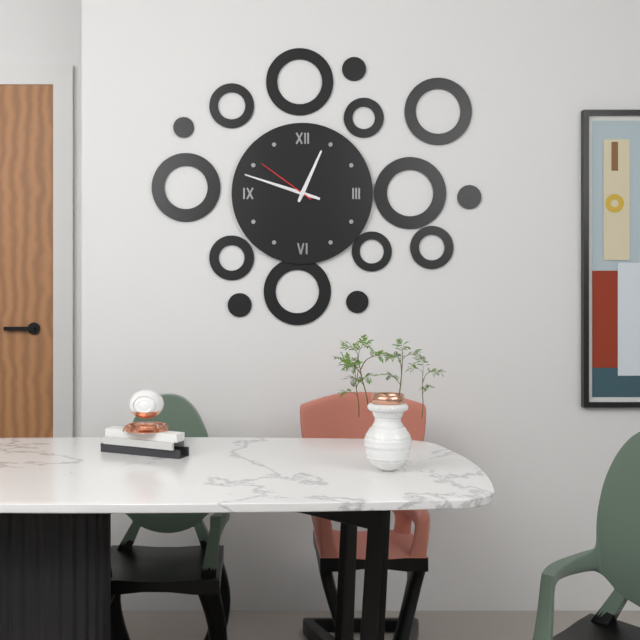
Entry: h=12 m=48 s=51
